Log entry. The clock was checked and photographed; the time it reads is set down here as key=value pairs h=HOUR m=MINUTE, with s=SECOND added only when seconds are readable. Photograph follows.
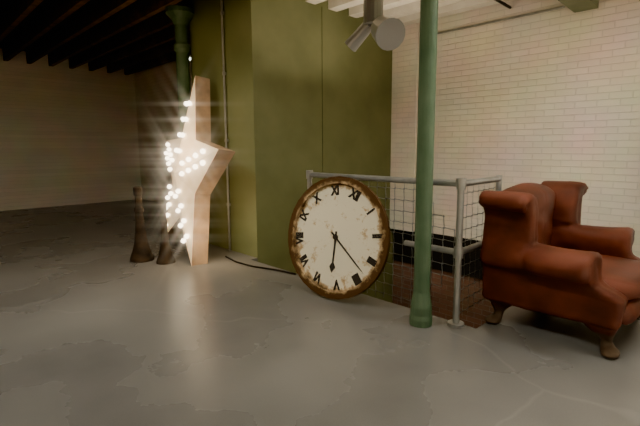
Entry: h=5 m=18
